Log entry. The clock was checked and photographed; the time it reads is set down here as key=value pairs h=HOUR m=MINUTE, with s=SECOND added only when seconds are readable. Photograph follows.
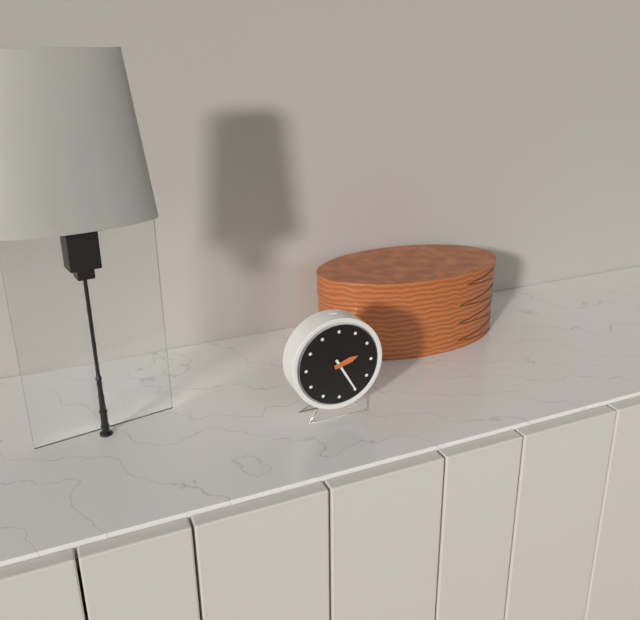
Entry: h=2 m=25
